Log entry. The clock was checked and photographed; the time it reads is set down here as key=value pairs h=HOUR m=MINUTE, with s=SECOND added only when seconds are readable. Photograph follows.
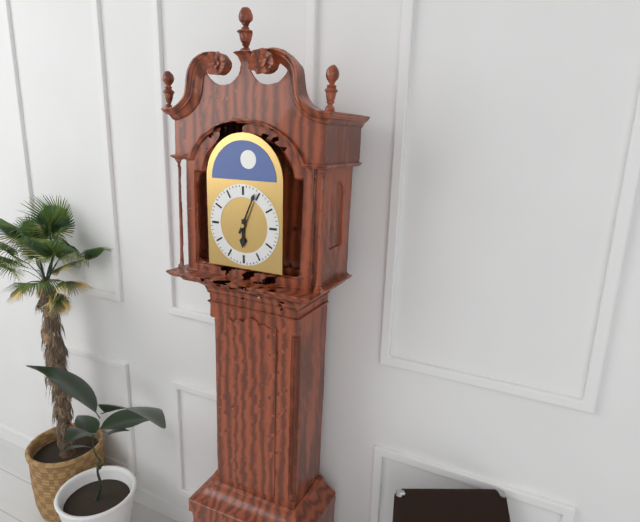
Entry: h=6 m=4
